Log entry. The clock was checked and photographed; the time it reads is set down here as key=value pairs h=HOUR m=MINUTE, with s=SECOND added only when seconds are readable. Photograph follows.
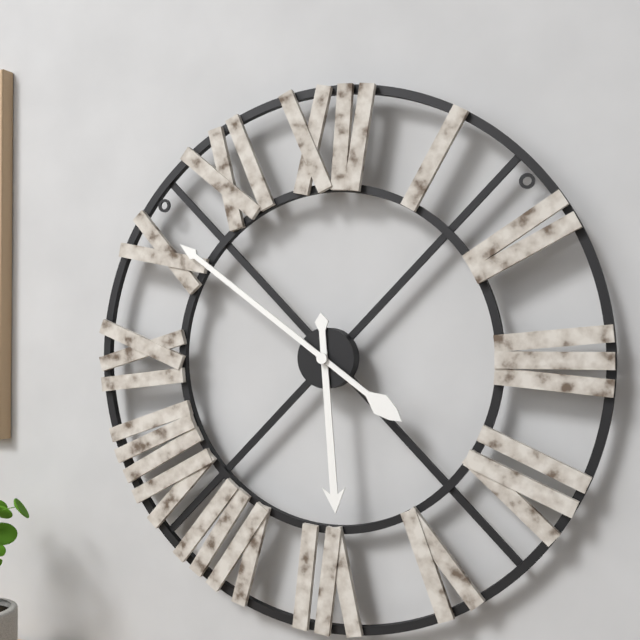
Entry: h=5 m=51
